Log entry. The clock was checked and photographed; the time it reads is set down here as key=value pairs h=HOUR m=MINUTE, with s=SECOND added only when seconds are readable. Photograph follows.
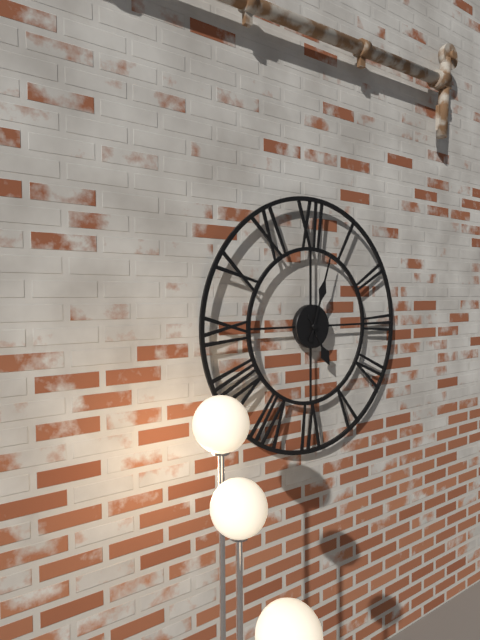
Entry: h=5 m=3
